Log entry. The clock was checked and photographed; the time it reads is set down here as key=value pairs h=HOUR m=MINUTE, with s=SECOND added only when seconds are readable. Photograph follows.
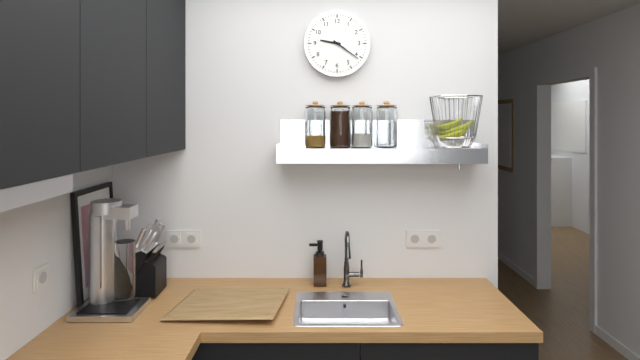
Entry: h=9 m=21
